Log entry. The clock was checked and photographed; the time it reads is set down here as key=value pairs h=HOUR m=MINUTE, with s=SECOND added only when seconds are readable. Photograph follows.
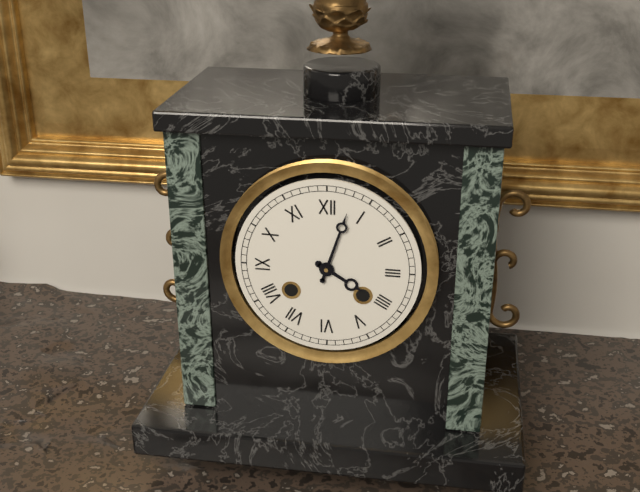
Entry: h=4 m=3
